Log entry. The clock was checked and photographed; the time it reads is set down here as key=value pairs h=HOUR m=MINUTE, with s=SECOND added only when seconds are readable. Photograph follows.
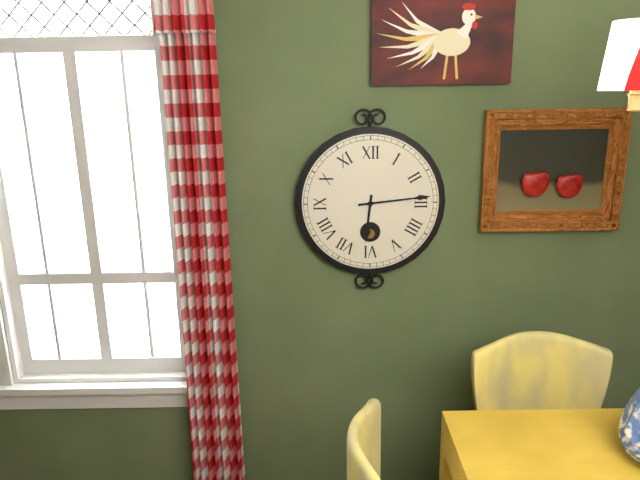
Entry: h=6 m=14
